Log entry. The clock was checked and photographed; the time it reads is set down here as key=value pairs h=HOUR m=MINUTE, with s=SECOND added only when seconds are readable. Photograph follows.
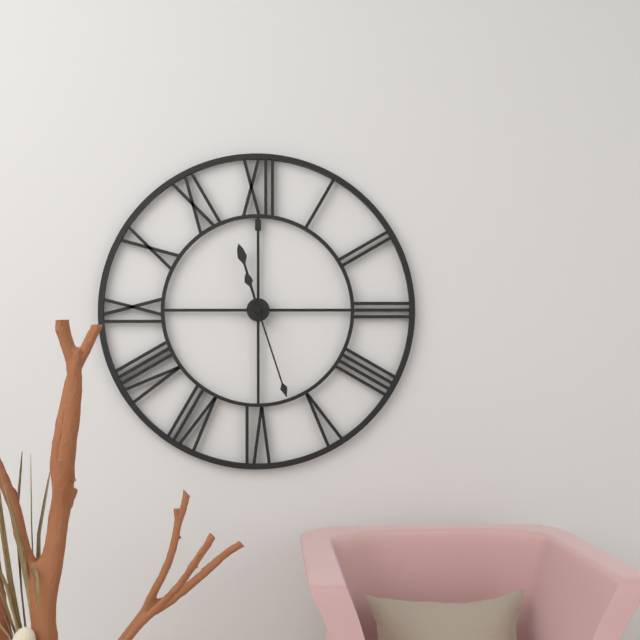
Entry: h=11 m=27
